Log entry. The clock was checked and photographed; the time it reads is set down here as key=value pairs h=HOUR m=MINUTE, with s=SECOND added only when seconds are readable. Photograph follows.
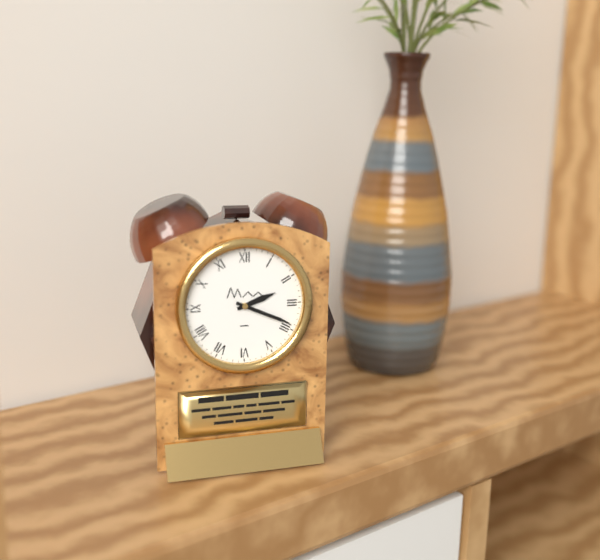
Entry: h=2 m=19
